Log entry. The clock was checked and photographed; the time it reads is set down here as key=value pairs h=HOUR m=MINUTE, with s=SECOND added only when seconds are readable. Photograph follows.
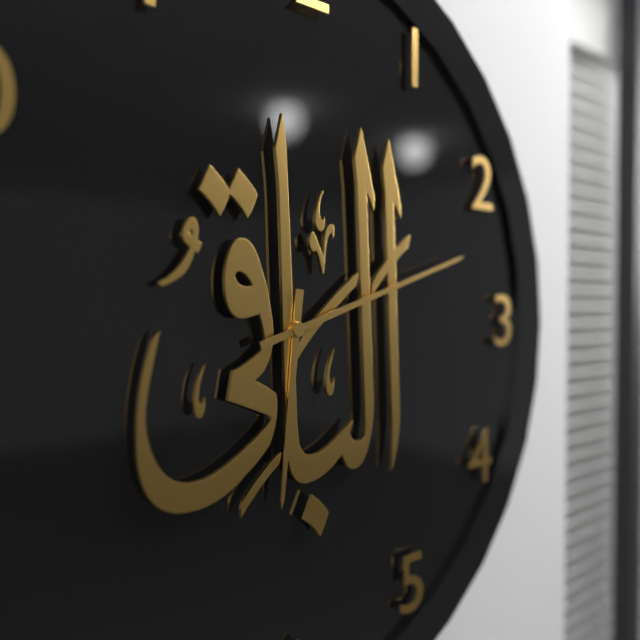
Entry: h=6 m=12
